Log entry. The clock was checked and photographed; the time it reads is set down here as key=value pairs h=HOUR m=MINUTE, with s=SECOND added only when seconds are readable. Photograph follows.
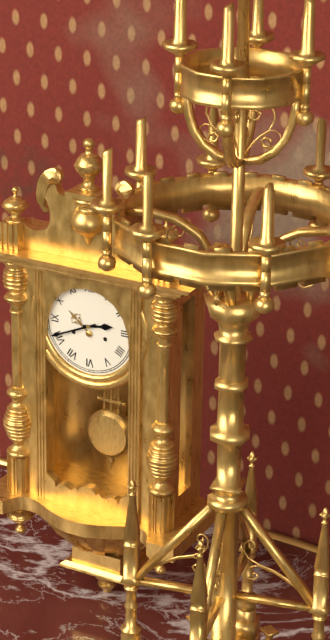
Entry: h=2 m=41
